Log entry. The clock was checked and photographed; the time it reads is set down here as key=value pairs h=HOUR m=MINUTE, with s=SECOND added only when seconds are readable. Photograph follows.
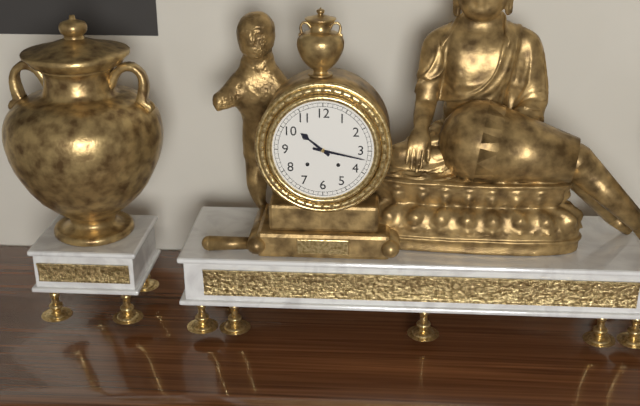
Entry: h=10 m=17
